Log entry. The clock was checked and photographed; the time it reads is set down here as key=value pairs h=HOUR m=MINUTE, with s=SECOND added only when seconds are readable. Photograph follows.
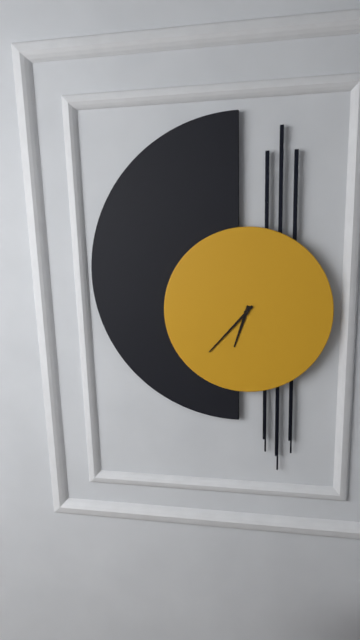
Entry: h=6 m=37
